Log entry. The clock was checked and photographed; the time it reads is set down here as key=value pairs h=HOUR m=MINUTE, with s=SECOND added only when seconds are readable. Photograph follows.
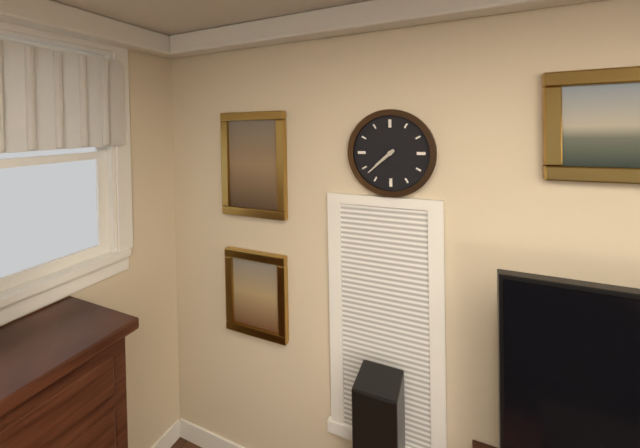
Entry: h=7 m=38
